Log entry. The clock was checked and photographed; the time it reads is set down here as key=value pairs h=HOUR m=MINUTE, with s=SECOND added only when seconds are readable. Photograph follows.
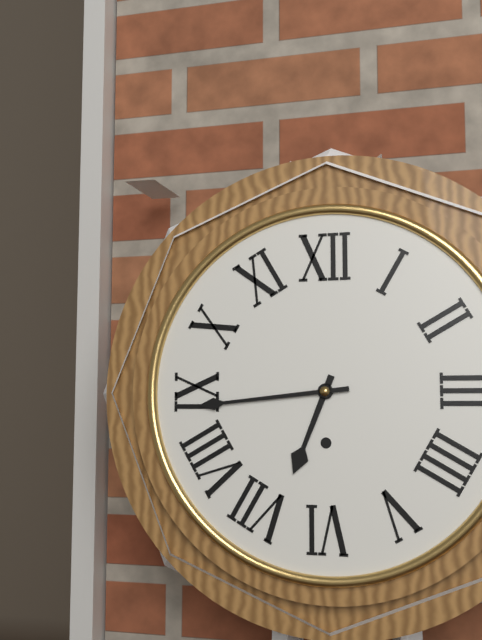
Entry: h=6 m=44
